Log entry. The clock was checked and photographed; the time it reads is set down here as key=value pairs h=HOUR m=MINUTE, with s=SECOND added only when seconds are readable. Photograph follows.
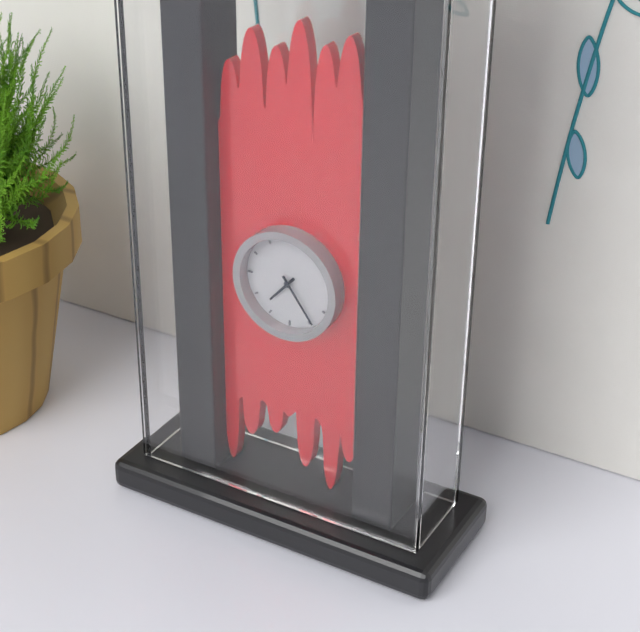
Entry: h=7 m=24
